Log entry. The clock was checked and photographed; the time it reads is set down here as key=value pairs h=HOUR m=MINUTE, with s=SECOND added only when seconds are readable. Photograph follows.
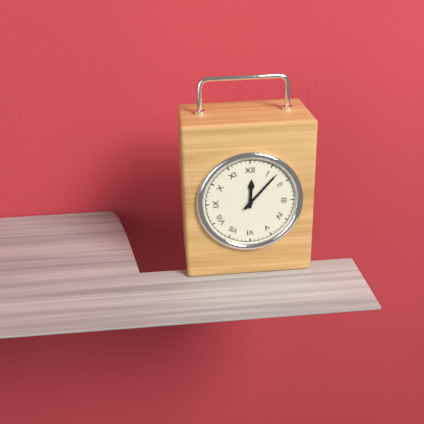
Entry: h=12 m=7
